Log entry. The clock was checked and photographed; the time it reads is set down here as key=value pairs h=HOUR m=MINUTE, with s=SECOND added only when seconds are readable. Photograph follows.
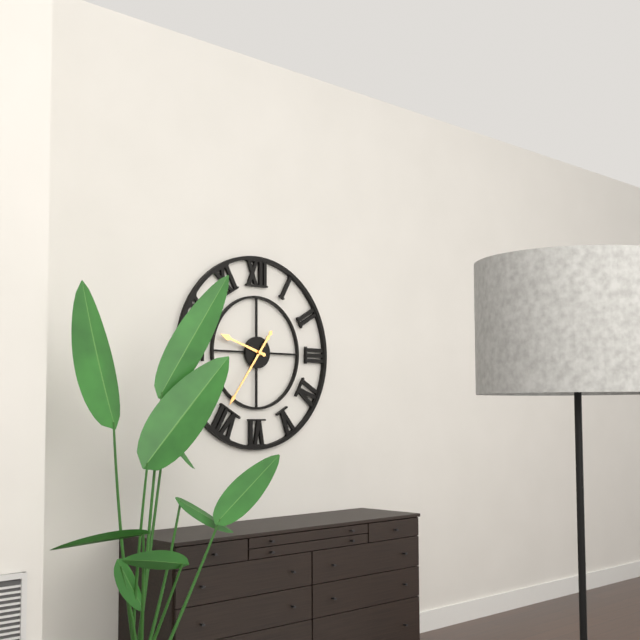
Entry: h=9 m=36
